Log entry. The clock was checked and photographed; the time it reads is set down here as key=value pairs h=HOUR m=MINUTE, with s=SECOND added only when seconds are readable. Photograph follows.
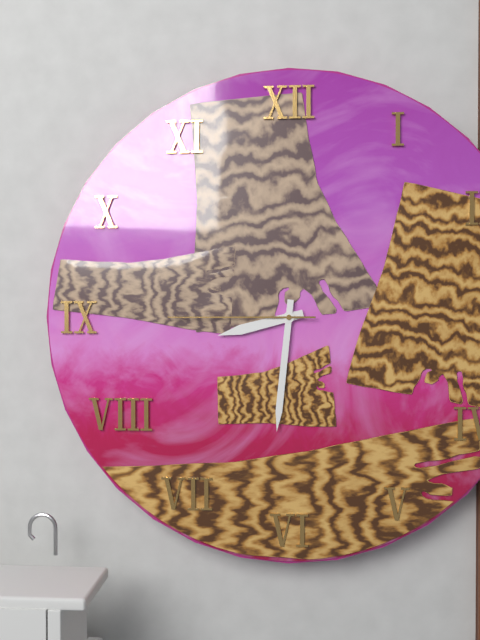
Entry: h=8 m=31 s=45
